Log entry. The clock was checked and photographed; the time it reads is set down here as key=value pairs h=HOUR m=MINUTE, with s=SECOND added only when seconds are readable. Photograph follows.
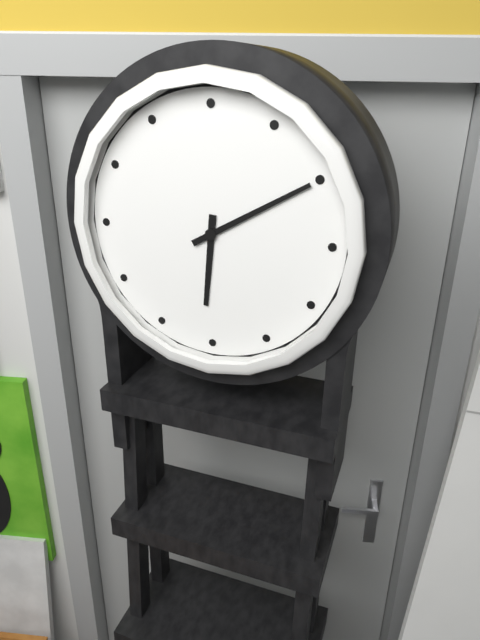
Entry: h=6 m=10
